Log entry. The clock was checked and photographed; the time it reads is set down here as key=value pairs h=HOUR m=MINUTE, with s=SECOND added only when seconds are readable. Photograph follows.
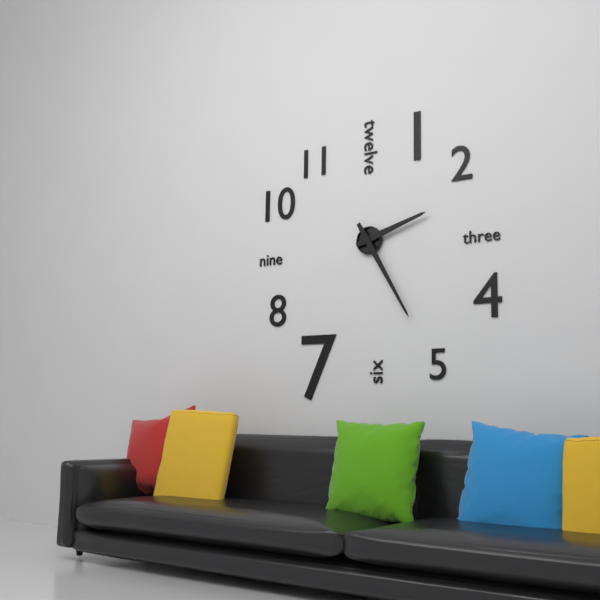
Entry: h=2 m=25
